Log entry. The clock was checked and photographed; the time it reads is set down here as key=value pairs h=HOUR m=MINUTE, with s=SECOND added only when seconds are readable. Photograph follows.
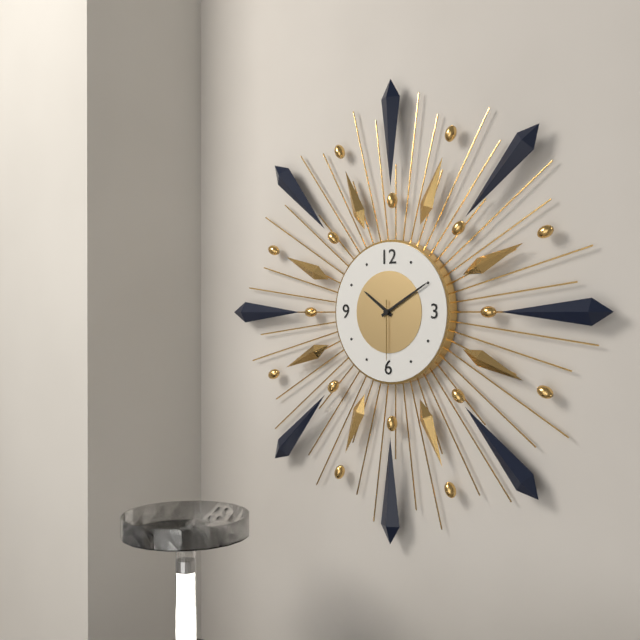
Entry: h=10 m=10 s=30
